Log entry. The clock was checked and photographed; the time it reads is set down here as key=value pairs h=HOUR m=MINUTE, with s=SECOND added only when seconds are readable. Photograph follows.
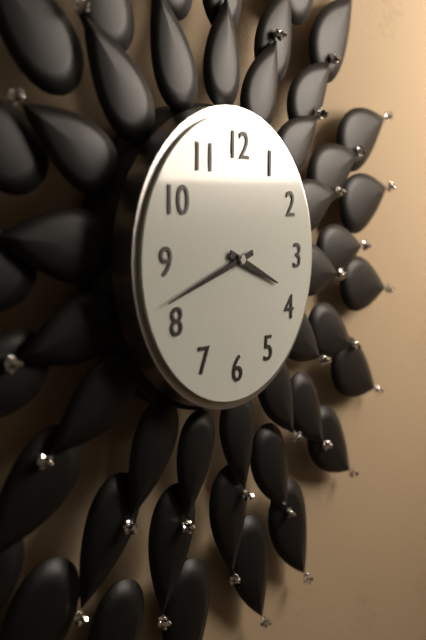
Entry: h=3 m=42
